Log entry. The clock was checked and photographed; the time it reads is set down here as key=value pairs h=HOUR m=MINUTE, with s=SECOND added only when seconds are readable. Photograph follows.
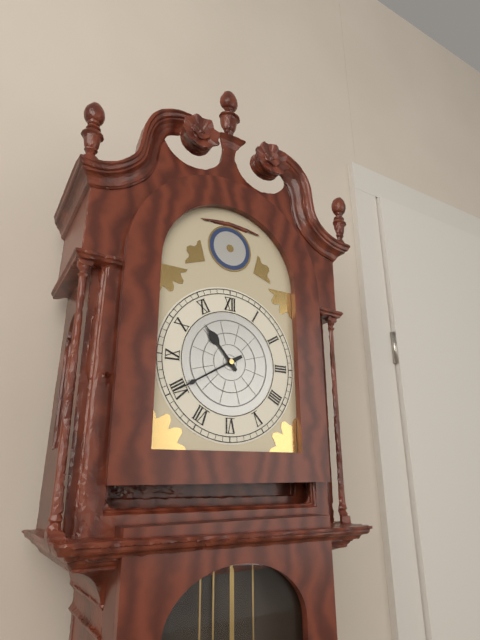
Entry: h=10 m=40
